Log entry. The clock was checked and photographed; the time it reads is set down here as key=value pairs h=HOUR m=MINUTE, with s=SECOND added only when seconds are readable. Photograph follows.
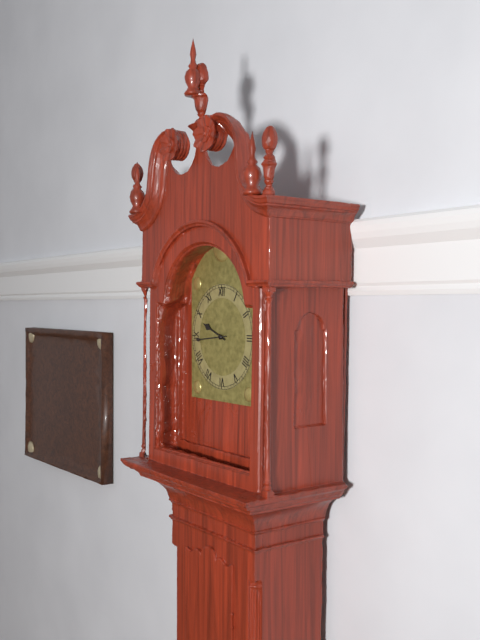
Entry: h=9 m=44
